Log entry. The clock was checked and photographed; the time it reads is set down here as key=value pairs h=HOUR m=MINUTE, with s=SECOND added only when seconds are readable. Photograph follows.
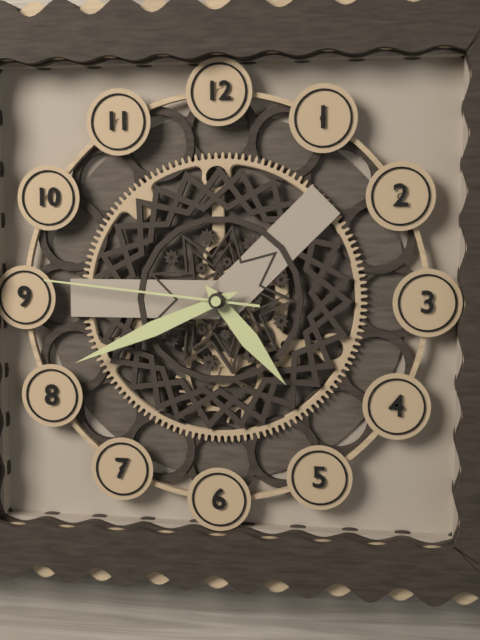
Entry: h=4 m=41 s=46
